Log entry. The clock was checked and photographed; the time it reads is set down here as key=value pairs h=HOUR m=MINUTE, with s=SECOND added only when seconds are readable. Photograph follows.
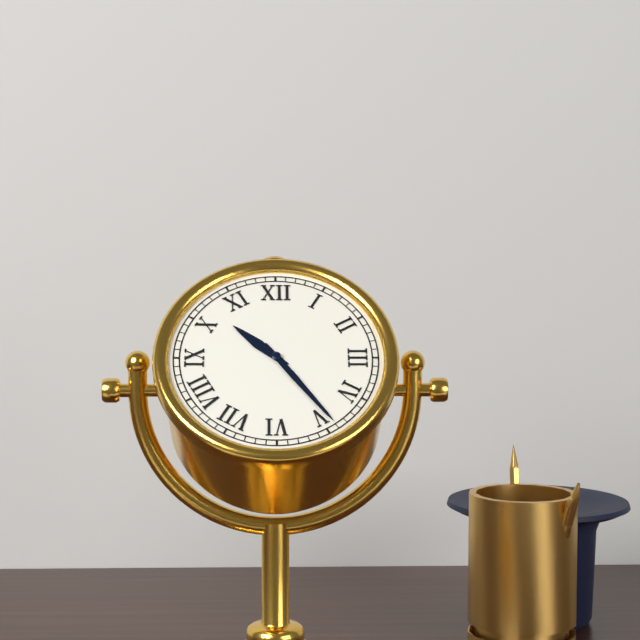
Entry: h=10 m=24
